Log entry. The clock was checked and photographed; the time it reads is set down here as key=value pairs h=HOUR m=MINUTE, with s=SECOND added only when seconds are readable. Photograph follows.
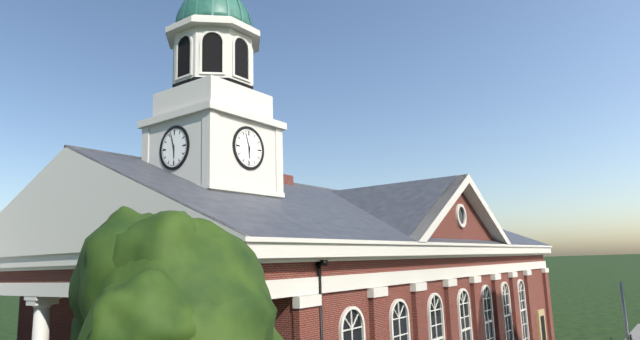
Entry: h=5 m=57
